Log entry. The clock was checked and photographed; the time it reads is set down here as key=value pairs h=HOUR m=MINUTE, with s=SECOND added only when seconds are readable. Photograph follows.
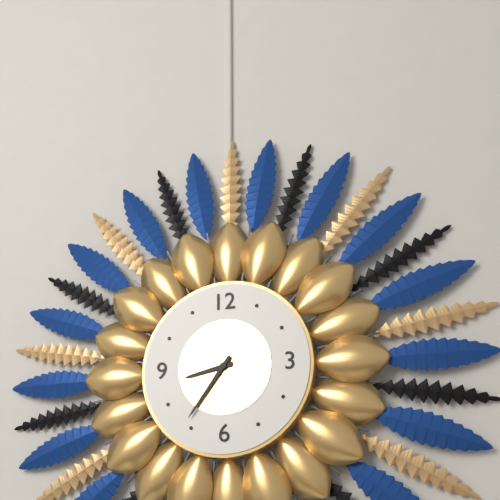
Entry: h=8 m=36
